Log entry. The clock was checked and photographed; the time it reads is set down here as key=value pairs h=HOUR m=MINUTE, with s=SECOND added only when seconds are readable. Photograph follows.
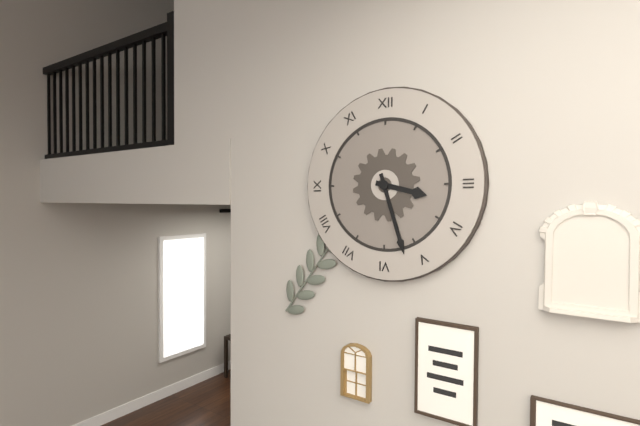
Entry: h=3 m=27
